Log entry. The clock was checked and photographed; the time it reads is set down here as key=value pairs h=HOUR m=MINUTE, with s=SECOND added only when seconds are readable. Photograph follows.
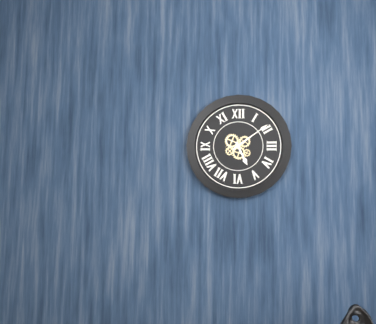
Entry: h=5 m=9
